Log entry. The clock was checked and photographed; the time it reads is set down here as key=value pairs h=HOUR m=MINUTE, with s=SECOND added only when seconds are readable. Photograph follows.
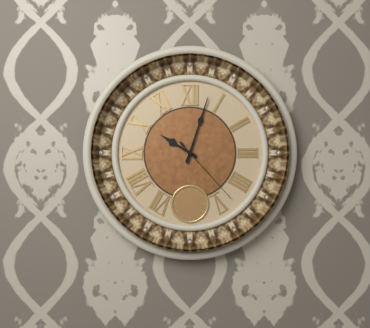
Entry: h=10 m=3 s=23
